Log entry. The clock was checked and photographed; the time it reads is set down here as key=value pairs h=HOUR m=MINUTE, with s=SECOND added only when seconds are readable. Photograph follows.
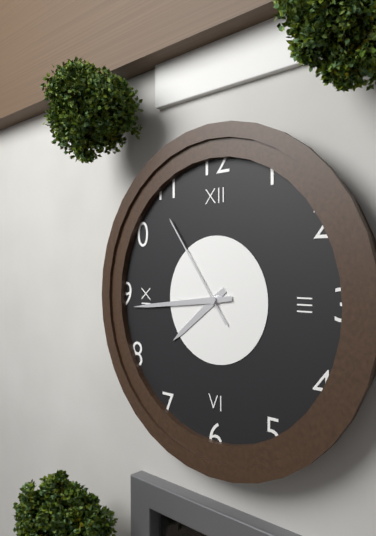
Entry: h=7 m=44 s=54
